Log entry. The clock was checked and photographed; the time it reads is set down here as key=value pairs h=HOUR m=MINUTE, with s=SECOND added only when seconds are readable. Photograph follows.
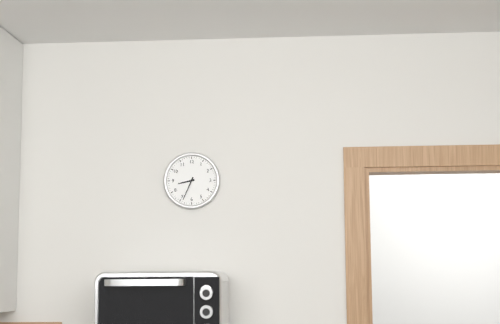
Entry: h=8 m=34
